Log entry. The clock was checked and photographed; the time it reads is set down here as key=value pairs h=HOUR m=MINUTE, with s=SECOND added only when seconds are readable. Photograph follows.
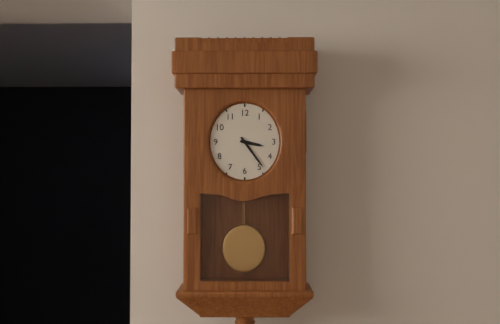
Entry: h=3 m=24
